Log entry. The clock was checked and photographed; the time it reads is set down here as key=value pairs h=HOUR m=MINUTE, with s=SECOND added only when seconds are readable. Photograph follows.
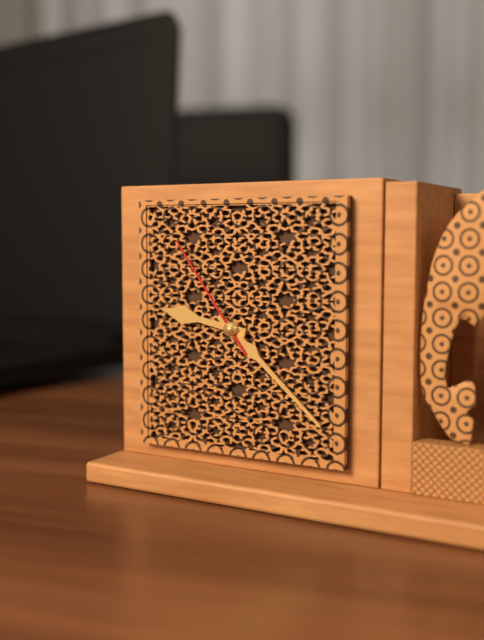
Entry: h=9 m=22 s=54
